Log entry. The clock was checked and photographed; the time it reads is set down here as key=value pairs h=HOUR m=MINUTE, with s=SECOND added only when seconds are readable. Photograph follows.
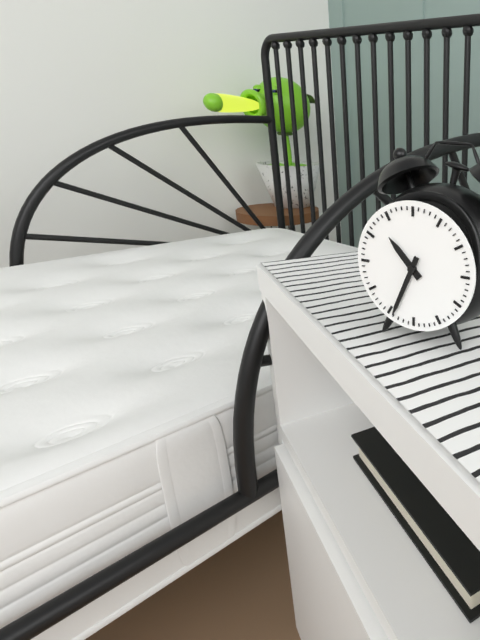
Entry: h=10 m=34
